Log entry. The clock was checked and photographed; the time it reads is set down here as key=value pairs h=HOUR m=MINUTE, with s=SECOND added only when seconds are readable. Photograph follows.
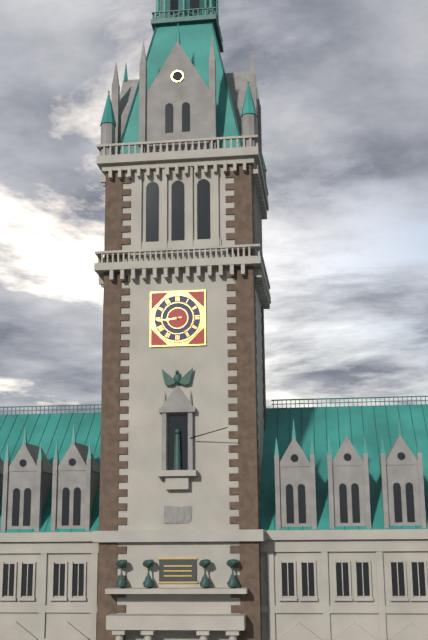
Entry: h=8 m=44
